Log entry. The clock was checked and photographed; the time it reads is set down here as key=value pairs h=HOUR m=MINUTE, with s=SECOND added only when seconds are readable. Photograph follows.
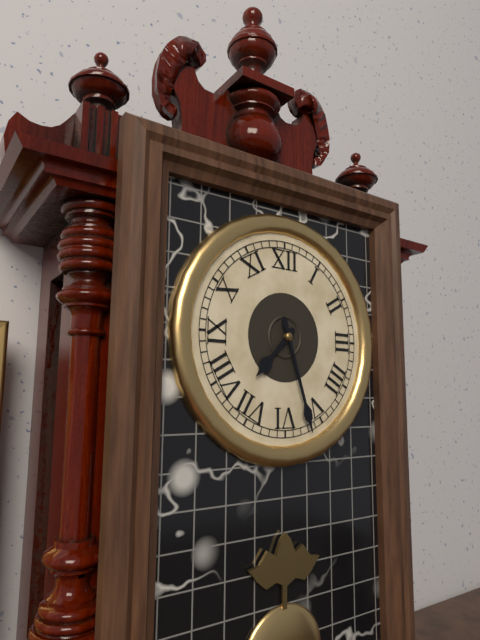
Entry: h=7 m=27
